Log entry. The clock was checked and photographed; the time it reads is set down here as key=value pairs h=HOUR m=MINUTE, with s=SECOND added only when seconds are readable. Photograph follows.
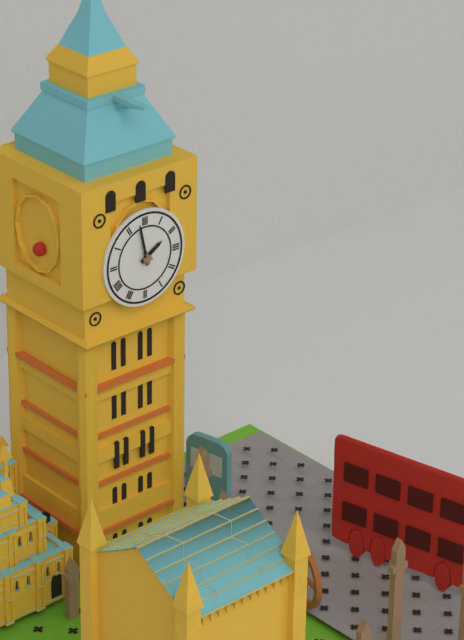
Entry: h=1 m=58
